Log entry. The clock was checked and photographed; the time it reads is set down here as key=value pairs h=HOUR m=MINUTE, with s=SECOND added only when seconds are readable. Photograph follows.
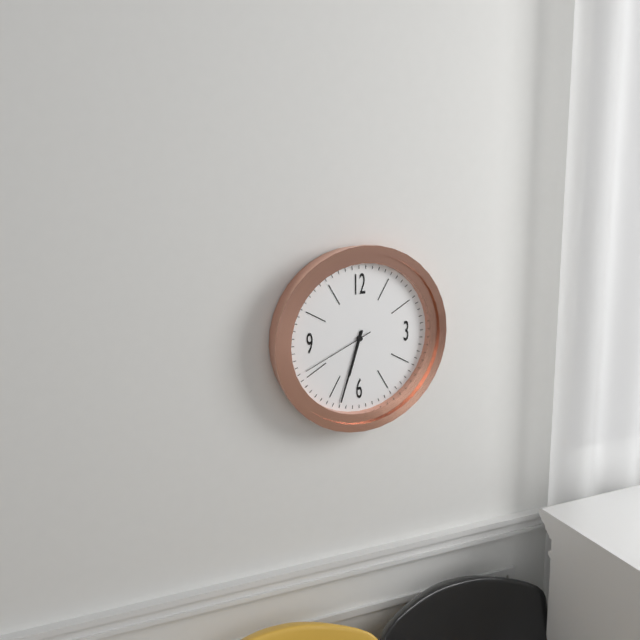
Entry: h=6 m=33 s=41
